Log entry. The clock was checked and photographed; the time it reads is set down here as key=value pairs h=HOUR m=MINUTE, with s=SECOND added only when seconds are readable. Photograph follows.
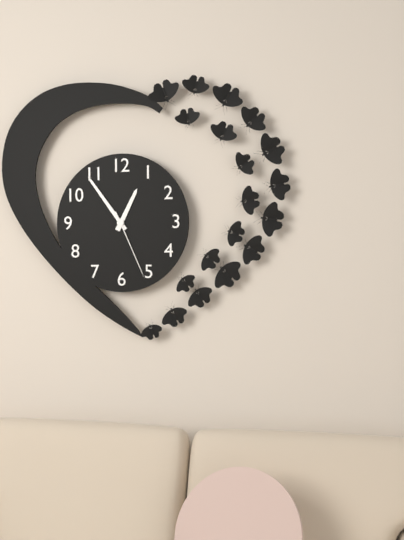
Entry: h=12 m=54 s=26
